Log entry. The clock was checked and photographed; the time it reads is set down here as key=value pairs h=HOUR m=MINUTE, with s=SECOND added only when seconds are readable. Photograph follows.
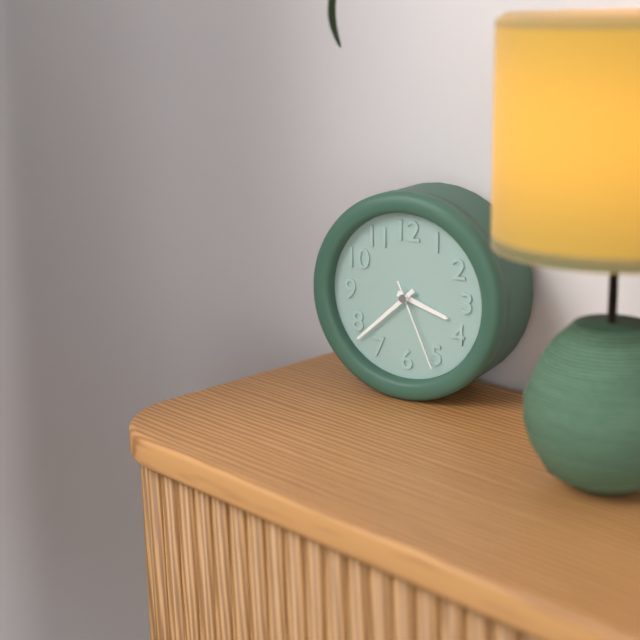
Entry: h=3 m=38 s=26
